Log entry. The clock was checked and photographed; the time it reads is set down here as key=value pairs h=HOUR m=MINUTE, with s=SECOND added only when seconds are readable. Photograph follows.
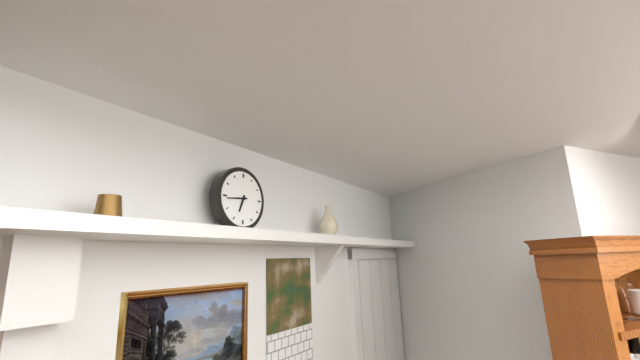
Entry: h=6 m=44
